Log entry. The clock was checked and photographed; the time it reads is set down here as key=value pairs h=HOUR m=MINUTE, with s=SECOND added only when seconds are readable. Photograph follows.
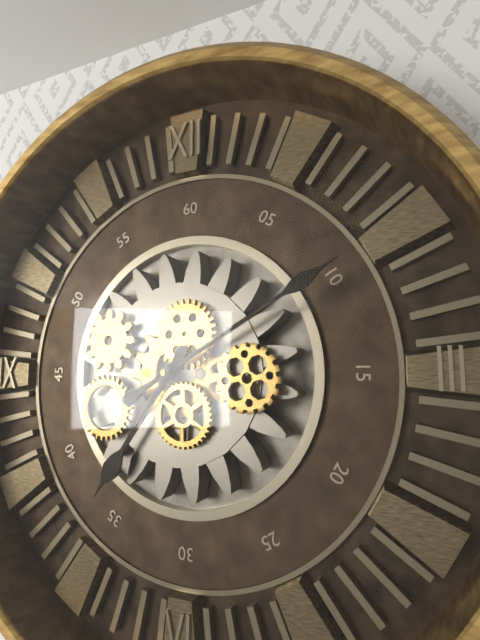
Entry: h=7 m=10
